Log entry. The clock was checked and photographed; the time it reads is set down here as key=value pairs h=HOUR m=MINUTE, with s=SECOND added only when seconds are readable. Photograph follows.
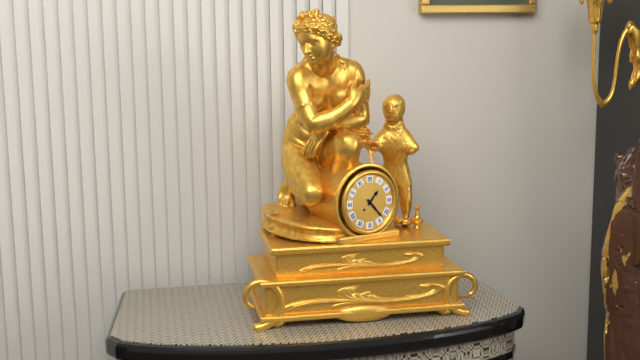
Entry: h=1 m=23
